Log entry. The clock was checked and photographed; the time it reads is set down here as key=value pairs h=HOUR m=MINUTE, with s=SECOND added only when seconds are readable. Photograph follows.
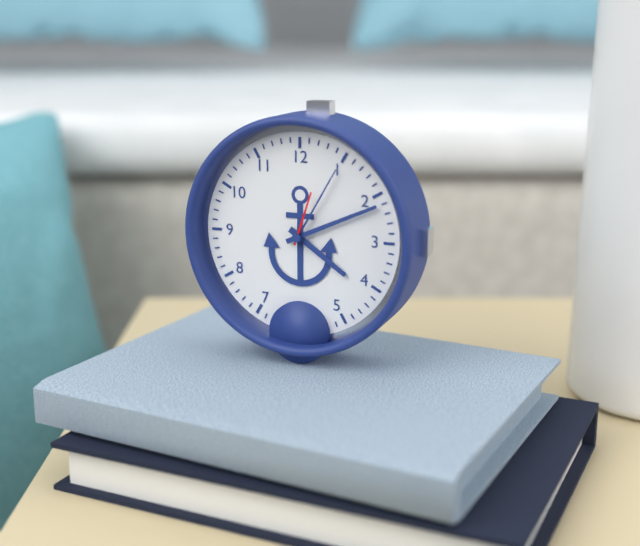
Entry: h=4 m=11 s=3
